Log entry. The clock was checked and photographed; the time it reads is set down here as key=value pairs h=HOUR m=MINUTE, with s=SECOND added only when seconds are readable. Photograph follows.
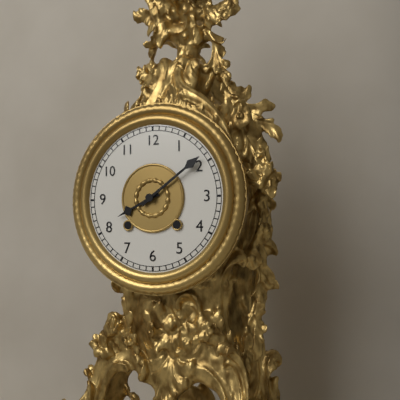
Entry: h=8 m=9
